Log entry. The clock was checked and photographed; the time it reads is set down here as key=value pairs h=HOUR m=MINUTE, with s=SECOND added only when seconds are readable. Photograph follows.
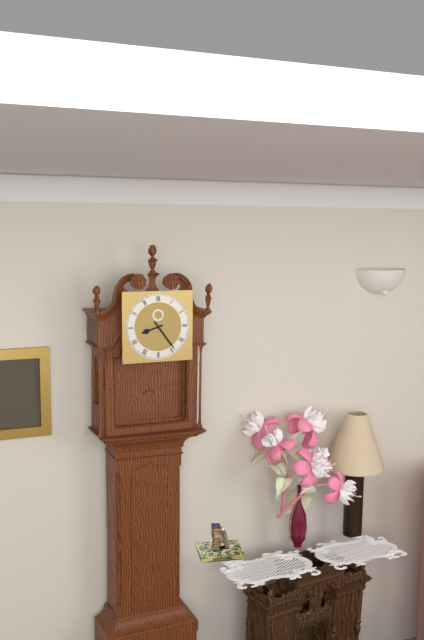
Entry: h=8 m=24
